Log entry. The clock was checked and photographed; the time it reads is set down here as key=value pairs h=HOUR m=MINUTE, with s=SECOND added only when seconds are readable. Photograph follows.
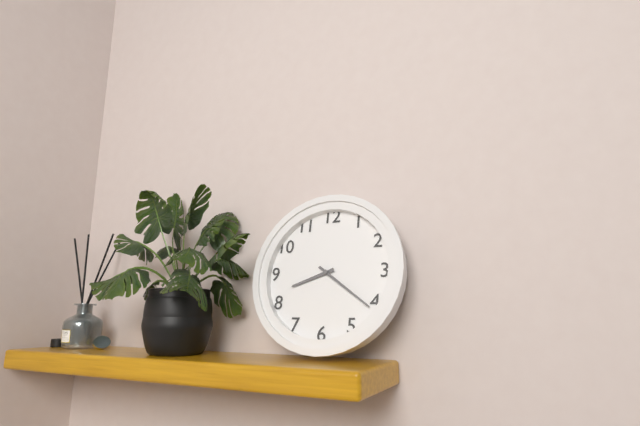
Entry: h=8 m=21
